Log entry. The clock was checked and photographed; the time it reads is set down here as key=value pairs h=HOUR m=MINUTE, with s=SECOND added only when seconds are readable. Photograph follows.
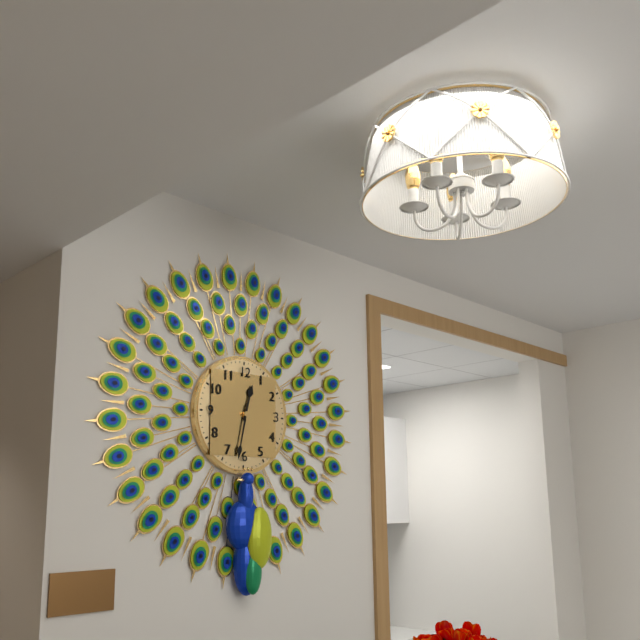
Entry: h=12 m=32
